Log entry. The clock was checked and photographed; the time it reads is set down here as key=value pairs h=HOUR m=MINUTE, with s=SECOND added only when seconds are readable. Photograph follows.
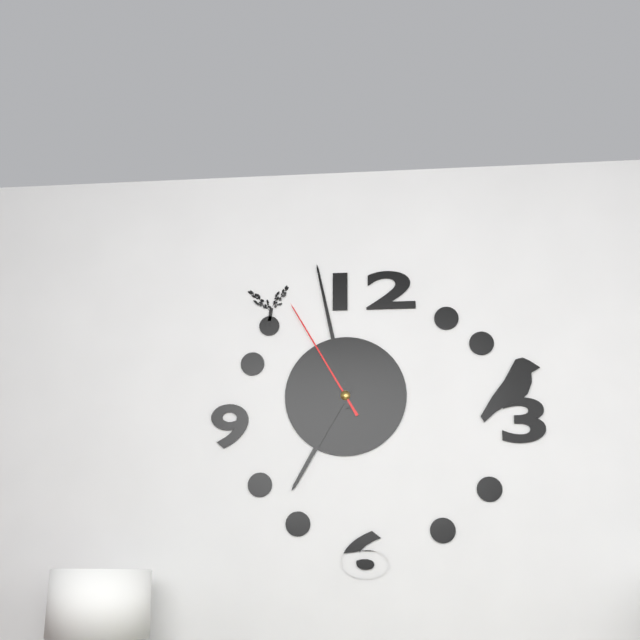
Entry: h=6 m=58 s=55
